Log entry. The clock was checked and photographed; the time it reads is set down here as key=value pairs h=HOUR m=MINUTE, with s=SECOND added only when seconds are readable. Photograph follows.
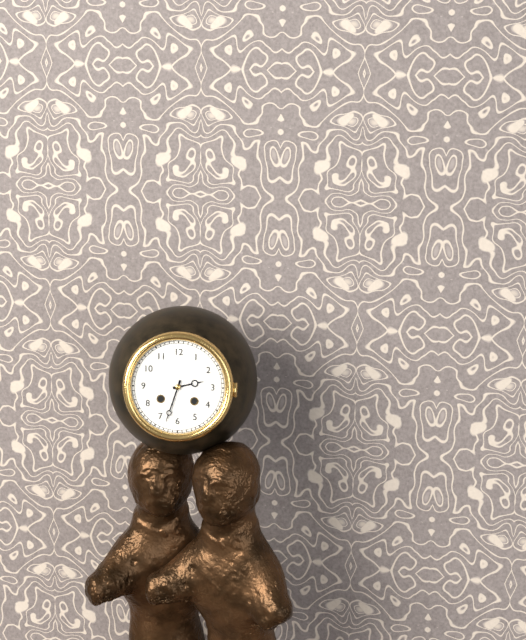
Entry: h=2 m=33
